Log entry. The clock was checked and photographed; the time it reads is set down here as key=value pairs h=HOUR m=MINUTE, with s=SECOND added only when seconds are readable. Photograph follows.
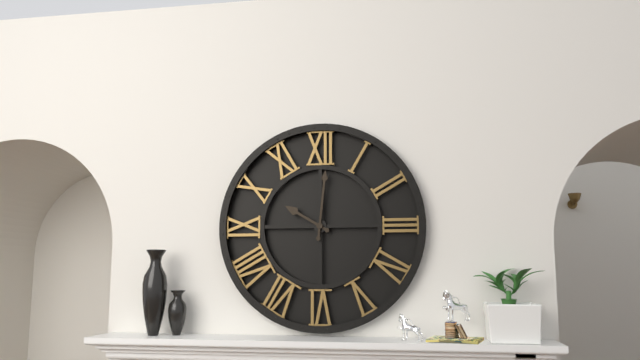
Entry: h=10 m=1
